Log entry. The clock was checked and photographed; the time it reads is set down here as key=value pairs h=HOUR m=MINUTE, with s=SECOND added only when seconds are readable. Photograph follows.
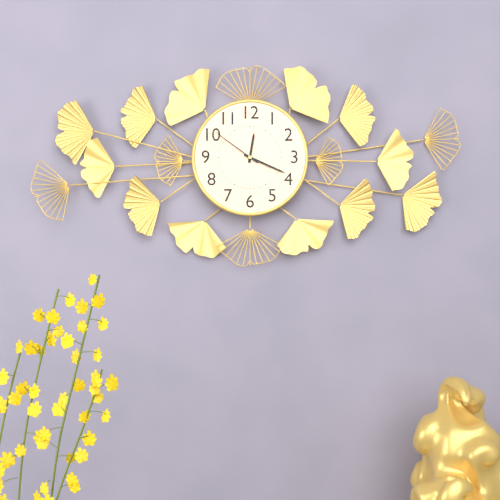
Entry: h=12 m=19 s=51
